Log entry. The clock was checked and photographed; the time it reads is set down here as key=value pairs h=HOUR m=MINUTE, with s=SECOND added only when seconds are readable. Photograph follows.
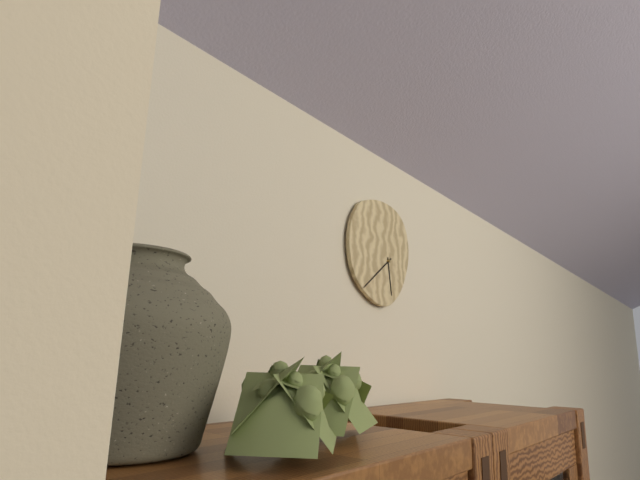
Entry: h=5 m=39
